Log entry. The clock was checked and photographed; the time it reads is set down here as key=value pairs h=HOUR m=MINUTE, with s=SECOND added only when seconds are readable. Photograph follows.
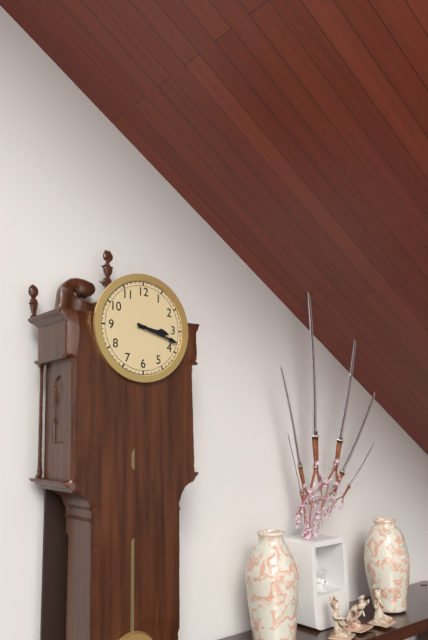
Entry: h=3 m=18
